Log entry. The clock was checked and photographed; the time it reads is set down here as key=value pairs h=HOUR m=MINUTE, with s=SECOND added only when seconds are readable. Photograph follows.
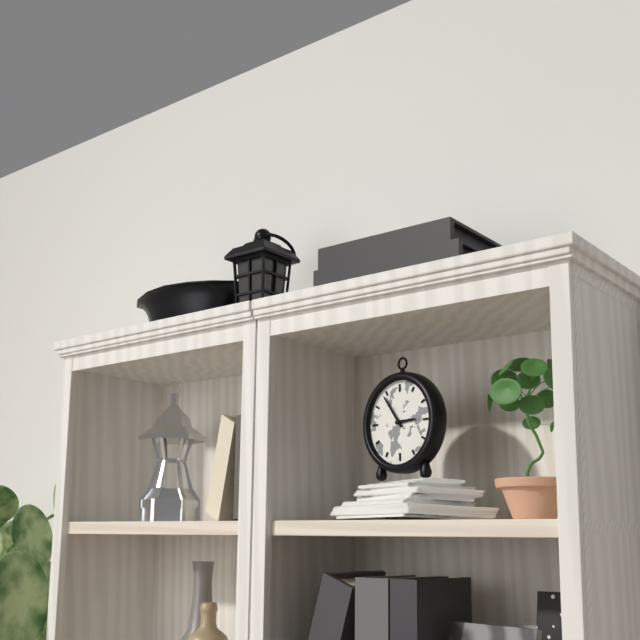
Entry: h=2 m=54
